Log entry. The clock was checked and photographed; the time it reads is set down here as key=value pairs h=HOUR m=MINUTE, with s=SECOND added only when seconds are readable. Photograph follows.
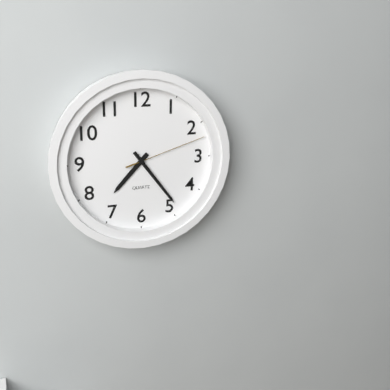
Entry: h=7 m=24 s=12
